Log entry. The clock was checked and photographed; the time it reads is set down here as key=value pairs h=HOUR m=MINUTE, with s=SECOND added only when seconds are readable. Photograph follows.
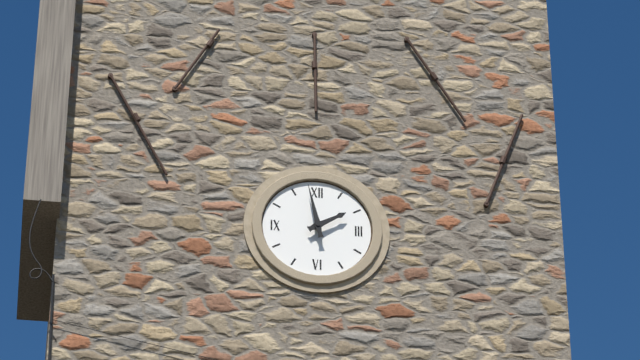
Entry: h=1 m=58
